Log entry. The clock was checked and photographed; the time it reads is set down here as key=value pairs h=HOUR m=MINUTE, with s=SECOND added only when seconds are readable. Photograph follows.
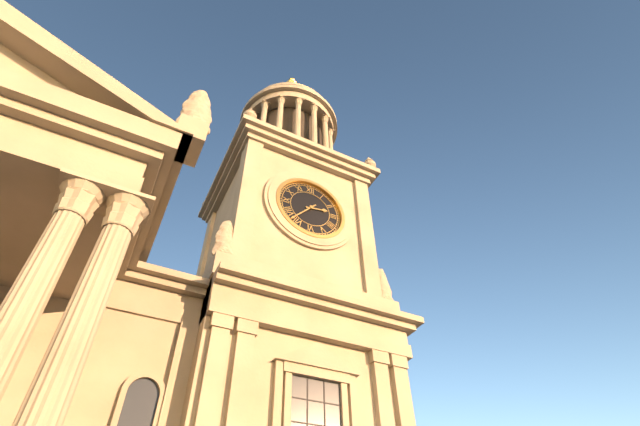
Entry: h=2 m=37
